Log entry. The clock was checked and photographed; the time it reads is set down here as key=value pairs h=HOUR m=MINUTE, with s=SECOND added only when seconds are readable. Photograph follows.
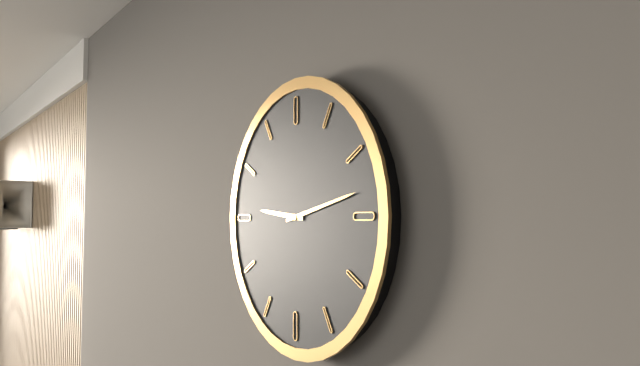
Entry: h=9 m=13
